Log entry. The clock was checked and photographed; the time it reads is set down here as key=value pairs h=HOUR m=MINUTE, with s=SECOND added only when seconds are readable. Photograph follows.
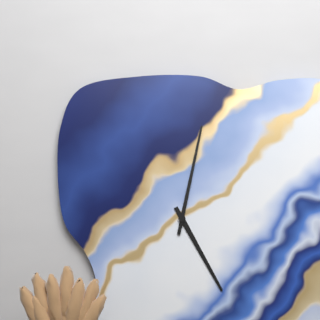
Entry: h=5 m=2
